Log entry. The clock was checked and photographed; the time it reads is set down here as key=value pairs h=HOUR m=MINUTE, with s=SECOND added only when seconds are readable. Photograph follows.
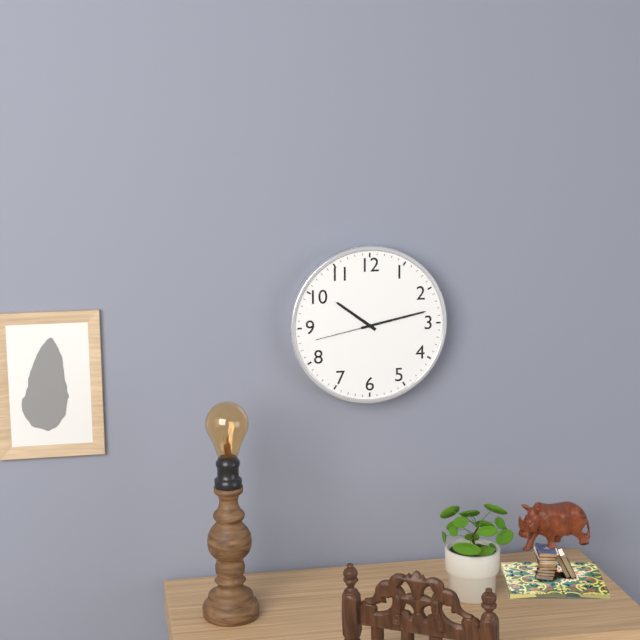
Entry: h=10 m=13 s=43
